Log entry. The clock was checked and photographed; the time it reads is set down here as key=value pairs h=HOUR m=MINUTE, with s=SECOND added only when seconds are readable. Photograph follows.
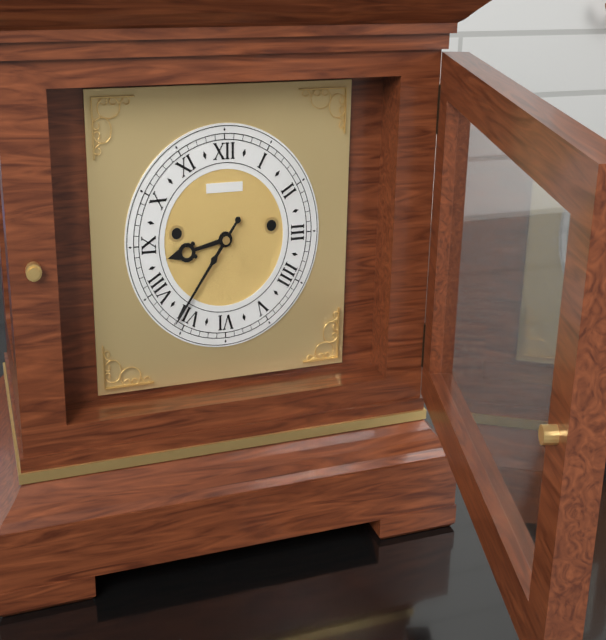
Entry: h=8 m=36
